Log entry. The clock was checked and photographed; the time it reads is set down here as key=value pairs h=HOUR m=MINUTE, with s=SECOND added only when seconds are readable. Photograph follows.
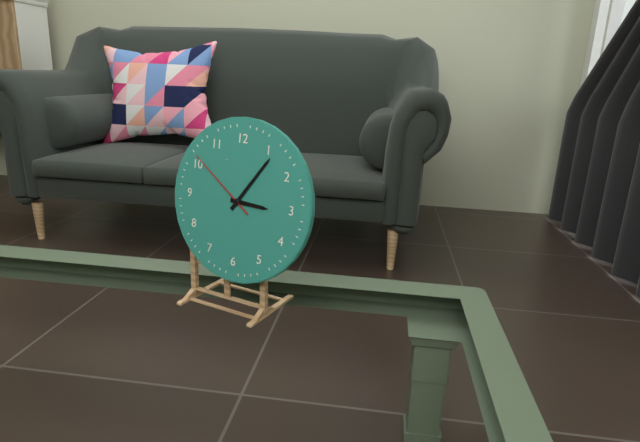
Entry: h=3 m=6 s=51
